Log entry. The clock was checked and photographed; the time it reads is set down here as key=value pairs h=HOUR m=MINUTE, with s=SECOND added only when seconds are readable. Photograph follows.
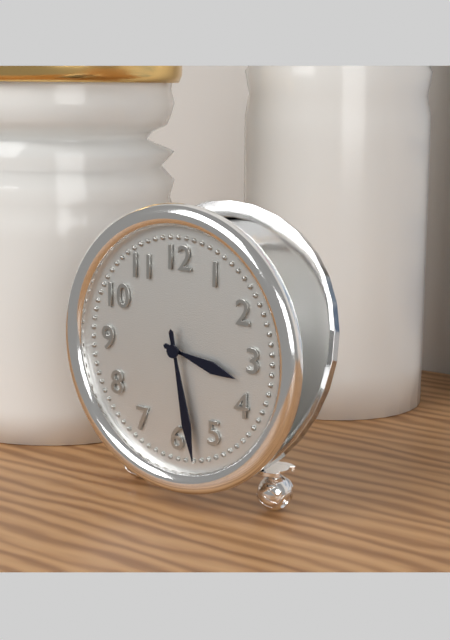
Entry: h=3 m=28
